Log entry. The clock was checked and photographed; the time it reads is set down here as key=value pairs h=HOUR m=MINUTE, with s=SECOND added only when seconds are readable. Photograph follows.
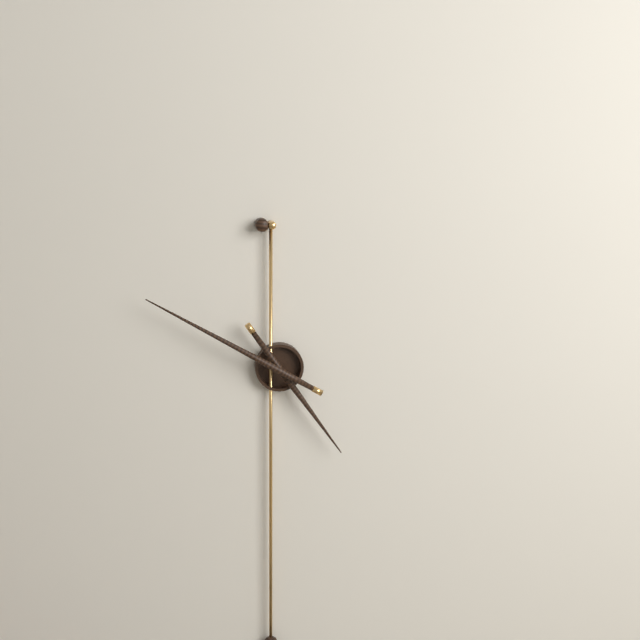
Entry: h=4 m=50
